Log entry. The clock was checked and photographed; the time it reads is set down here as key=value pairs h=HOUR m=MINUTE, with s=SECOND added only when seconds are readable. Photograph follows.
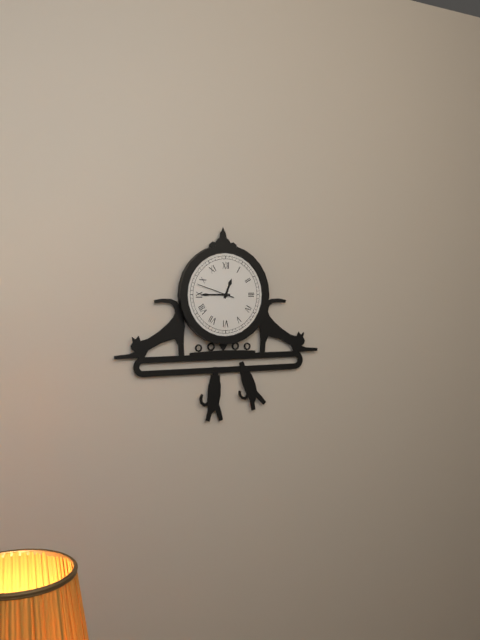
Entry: h=12 m=45
